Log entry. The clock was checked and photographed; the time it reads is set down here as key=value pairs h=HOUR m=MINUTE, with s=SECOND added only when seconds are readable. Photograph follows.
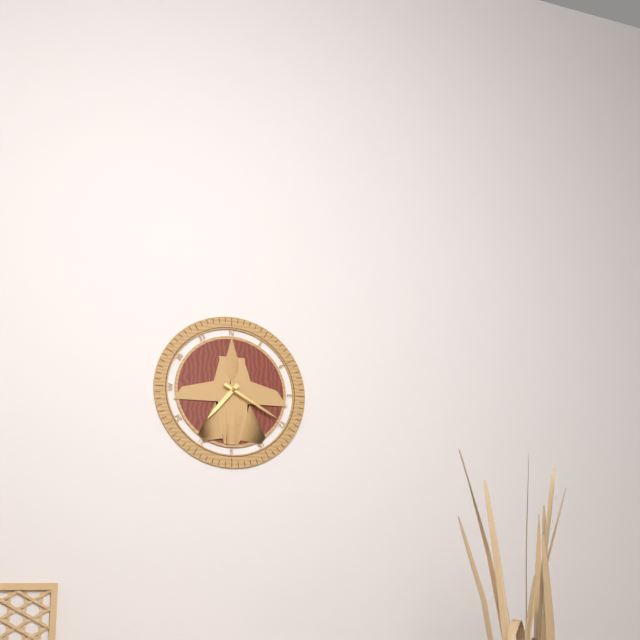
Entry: h=7 m=20
